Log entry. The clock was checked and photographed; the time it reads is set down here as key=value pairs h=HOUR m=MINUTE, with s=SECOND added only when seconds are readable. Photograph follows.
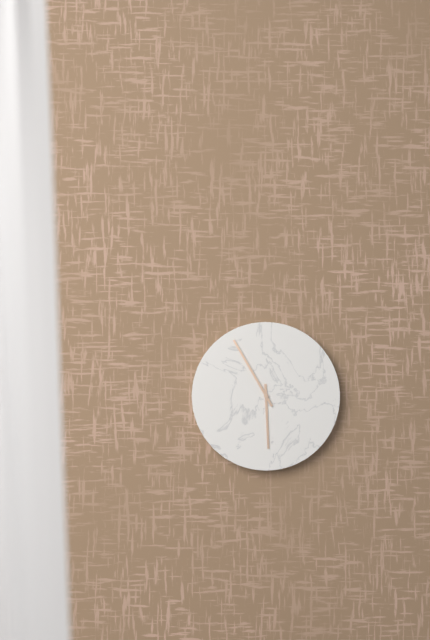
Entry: h=5 m=55
